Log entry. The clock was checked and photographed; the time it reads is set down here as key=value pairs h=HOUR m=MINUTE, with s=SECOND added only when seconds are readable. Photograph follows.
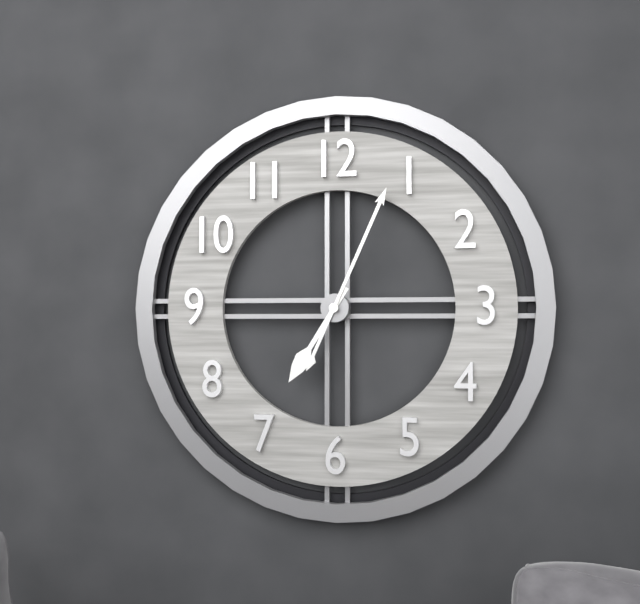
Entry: h=7 m=4
